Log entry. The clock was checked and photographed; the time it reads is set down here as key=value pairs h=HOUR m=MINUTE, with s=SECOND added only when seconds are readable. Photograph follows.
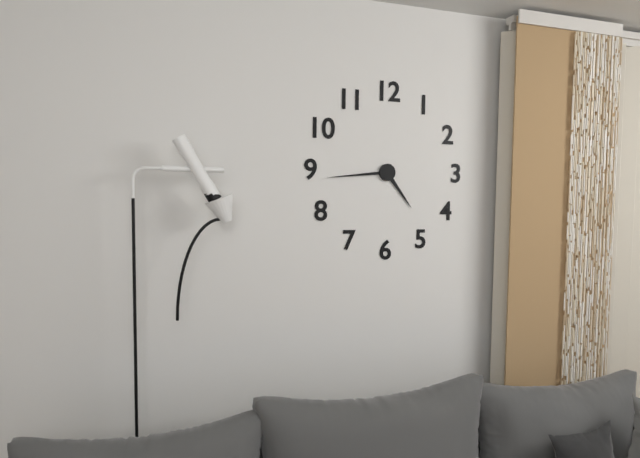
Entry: h=4 m=44
